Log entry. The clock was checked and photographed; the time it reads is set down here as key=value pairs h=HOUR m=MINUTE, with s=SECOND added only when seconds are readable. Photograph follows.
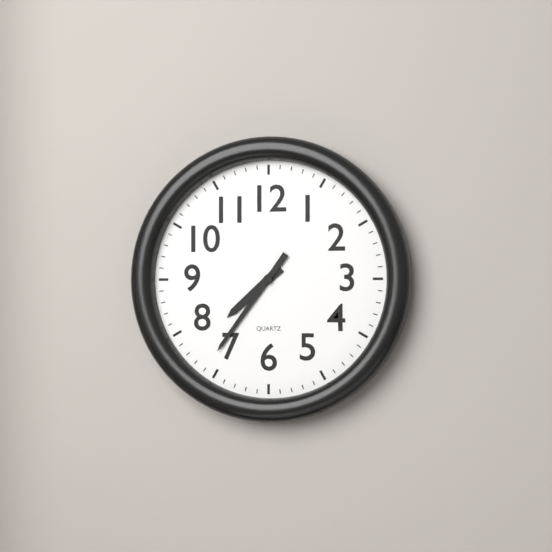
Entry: h=7 m=36
